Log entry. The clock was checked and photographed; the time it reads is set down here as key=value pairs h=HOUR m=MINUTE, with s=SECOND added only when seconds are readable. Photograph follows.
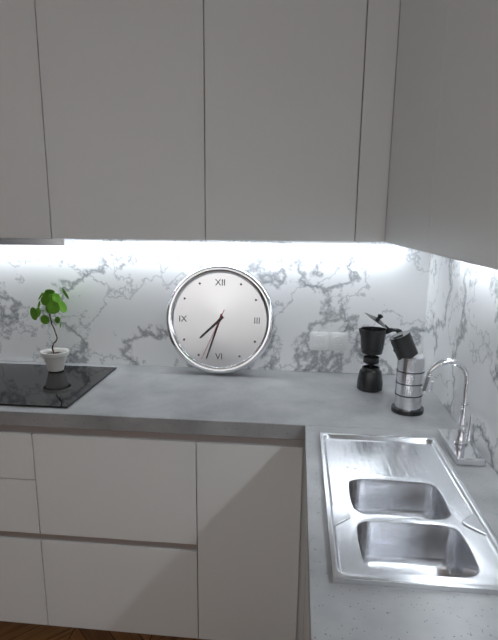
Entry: h=7 m=33 s=34
